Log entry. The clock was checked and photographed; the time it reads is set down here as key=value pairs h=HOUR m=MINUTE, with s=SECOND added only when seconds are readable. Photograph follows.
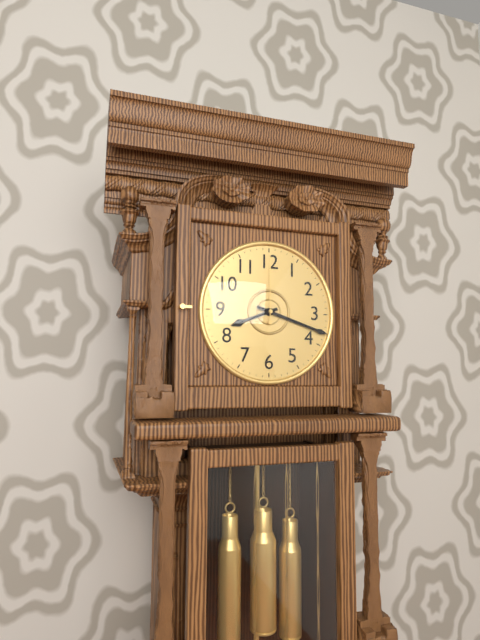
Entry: h=8 m=18 s=0
